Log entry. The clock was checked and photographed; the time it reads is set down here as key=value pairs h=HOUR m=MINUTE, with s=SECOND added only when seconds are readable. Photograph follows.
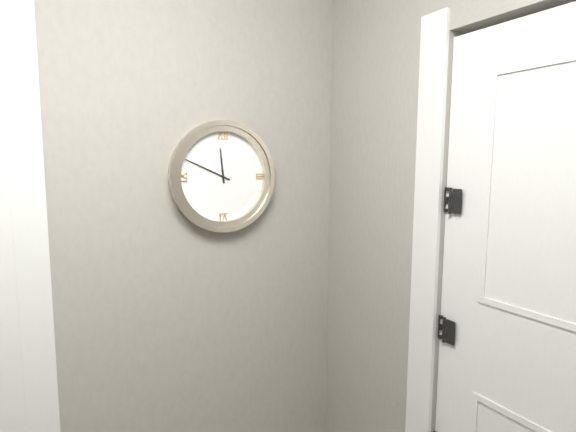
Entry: h=11 m=49
